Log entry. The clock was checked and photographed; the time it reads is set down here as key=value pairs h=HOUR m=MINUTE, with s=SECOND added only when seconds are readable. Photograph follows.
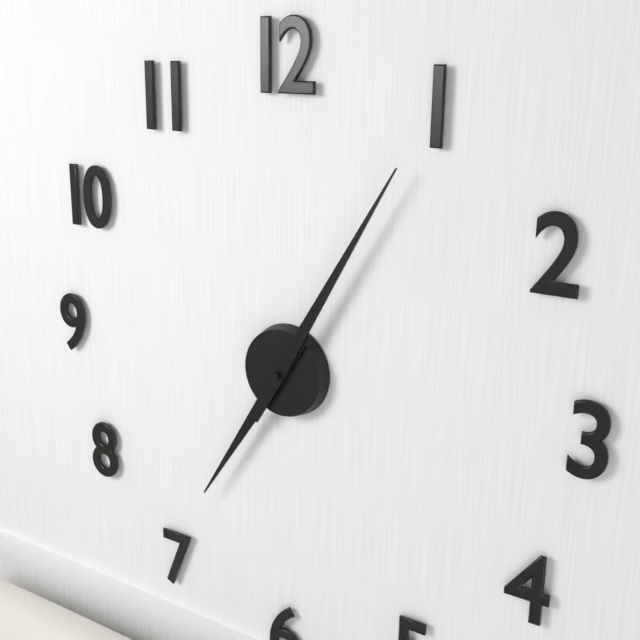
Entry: h=7 m=5
